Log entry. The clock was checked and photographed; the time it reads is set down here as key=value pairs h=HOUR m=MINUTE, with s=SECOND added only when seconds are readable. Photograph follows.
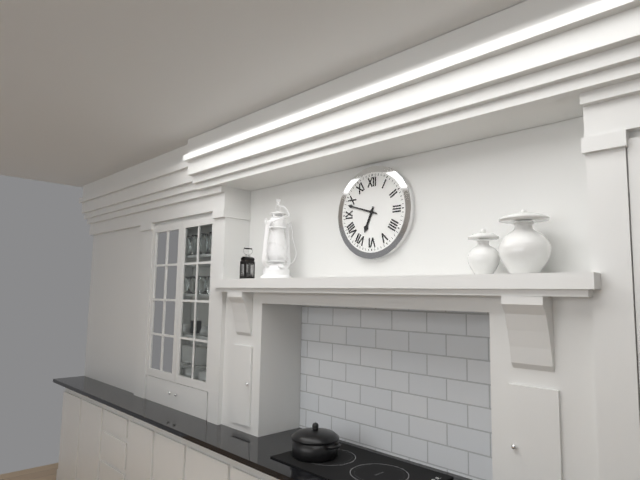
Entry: h=6 m=48
